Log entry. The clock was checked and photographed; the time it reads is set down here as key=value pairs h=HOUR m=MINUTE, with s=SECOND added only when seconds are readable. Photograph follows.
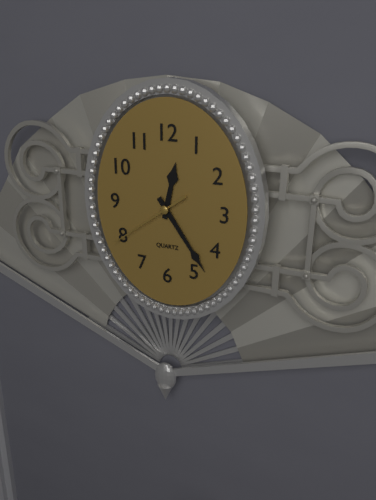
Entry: h=12 m=24 s=39
